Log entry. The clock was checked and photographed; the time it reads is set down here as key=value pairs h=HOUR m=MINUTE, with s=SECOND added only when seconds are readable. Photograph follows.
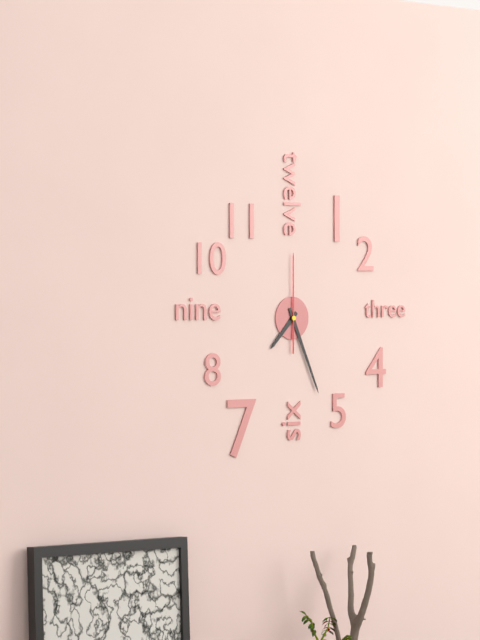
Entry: h=7 m=26 s=0
